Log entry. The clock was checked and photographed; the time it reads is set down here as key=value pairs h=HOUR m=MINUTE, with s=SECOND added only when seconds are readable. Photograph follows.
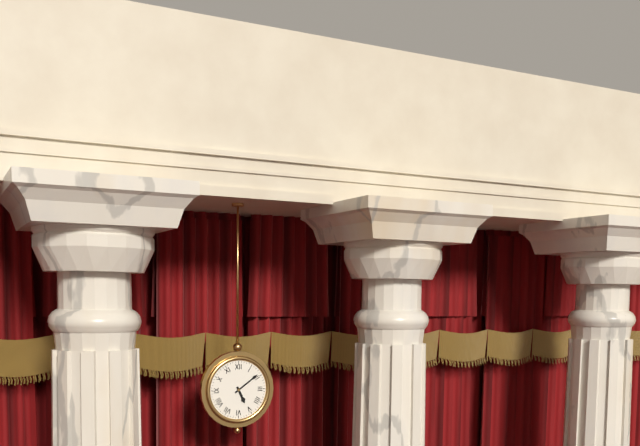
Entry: h=5 m=9
